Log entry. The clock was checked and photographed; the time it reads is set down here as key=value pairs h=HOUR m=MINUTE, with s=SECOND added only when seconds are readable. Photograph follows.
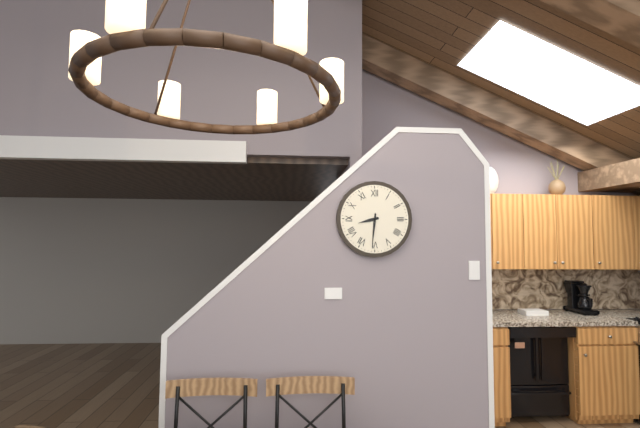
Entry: h=8 m=31
